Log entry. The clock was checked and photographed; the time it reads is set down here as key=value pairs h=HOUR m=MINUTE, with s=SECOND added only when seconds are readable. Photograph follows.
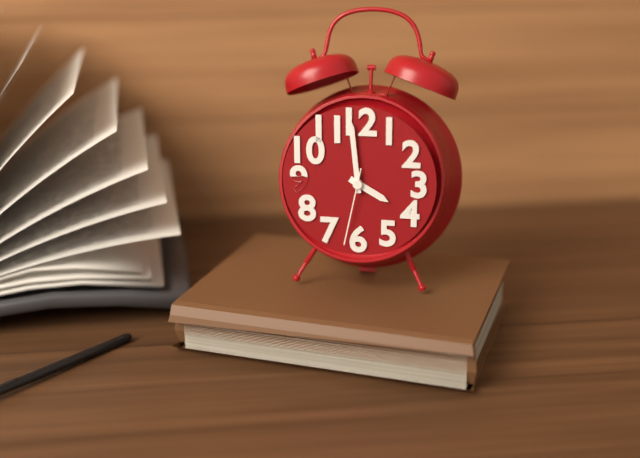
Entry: h=3 m=59 s=32
